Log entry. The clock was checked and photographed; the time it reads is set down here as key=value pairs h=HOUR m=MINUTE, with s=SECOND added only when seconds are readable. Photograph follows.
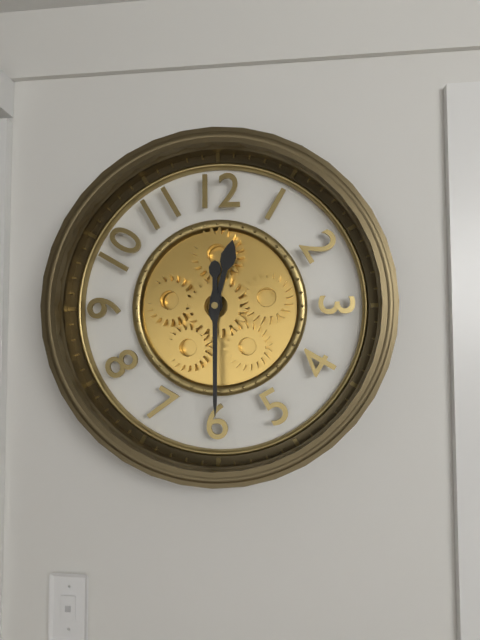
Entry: h=12 m=30
